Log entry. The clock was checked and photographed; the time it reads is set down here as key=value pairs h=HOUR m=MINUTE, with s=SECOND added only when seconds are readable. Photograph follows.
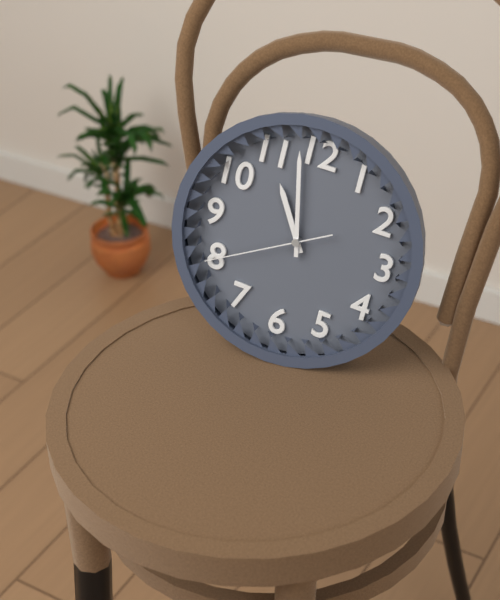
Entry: h=10 m=58 s=40
